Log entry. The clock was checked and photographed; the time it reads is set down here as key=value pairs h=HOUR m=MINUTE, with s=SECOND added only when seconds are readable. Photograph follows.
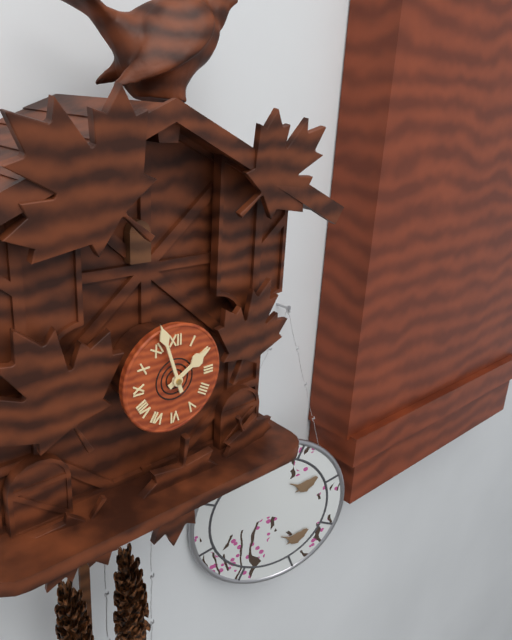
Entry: h=1 m=57
